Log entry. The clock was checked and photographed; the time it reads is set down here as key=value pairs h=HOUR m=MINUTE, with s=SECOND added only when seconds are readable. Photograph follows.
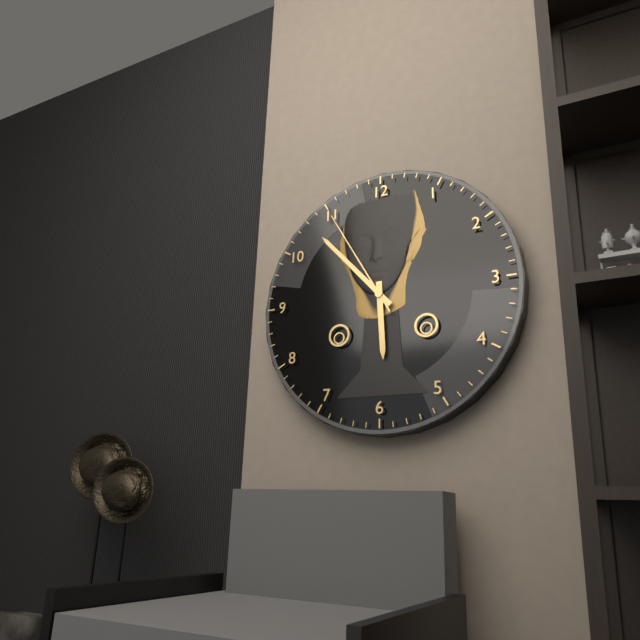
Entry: h=5 m=53 s=55
